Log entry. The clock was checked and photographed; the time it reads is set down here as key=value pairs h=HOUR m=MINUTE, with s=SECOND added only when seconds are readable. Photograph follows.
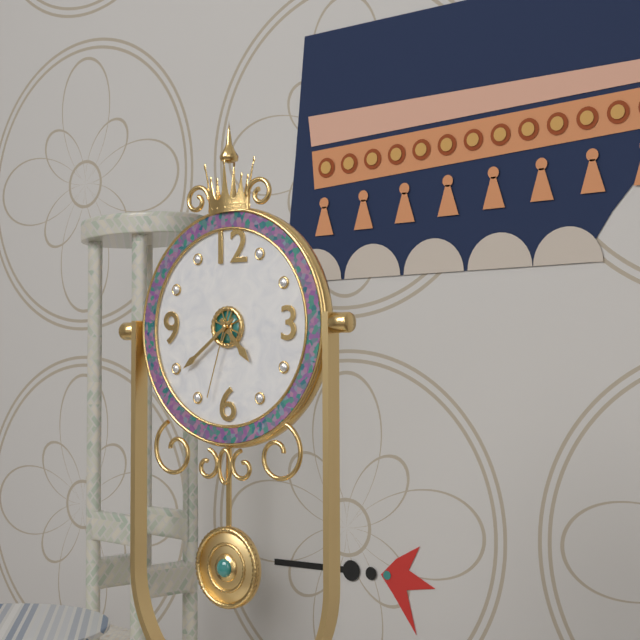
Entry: h=4 m=39 s=33
